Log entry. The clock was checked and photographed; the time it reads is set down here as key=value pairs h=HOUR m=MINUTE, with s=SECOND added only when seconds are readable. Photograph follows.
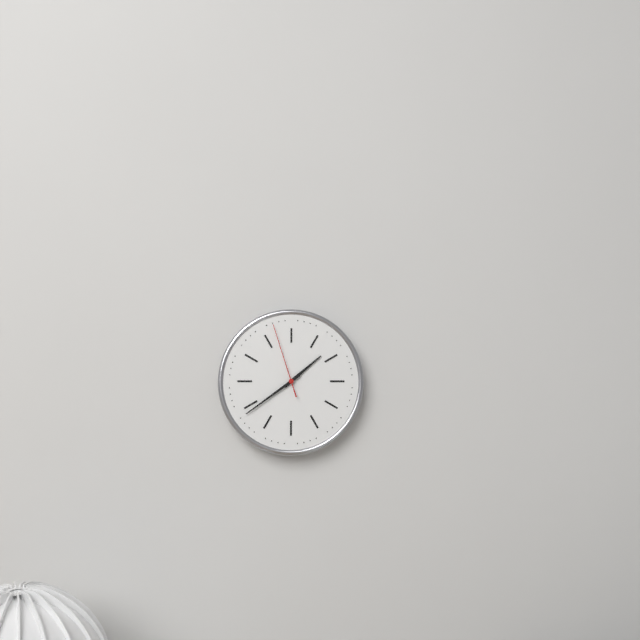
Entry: h=1 m=39 s=57
